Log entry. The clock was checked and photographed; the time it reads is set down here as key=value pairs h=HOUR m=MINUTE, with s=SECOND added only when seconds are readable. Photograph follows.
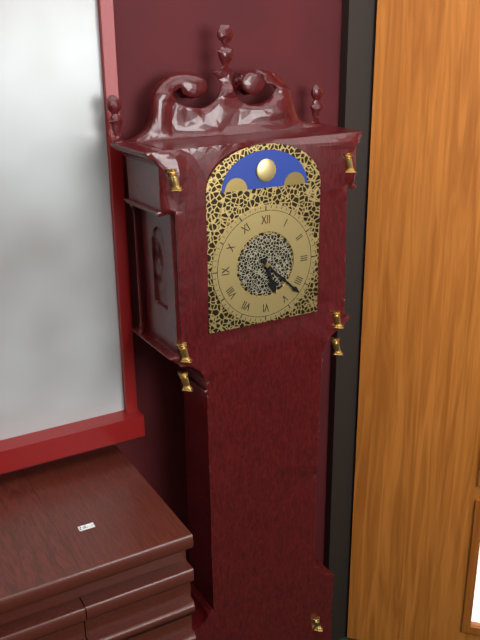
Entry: h=5 m=22
